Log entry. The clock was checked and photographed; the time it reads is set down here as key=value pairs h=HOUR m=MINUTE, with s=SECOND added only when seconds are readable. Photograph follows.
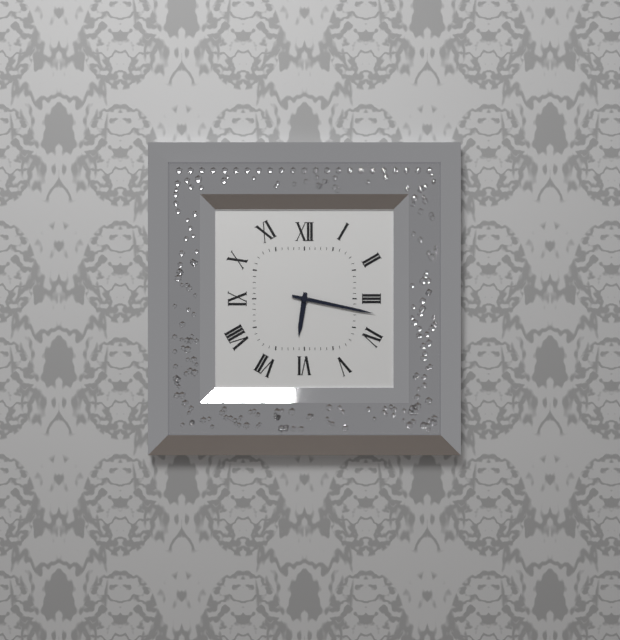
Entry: h=6 m=17
